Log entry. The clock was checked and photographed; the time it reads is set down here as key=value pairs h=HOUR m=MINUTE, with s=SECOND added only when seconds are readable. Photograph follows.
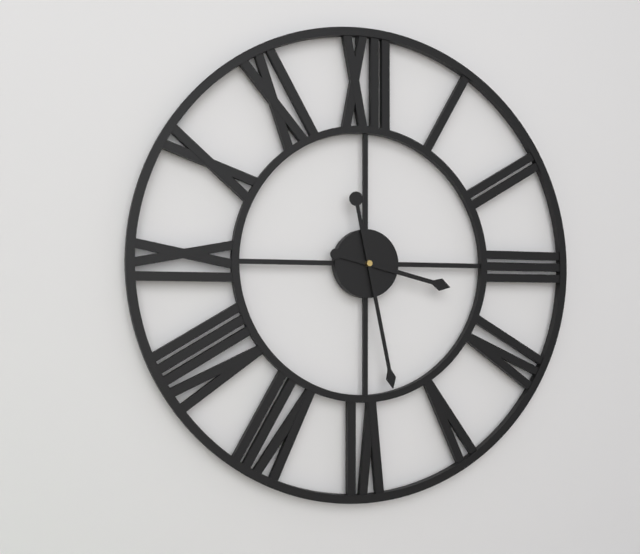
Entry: h=3 m=28
